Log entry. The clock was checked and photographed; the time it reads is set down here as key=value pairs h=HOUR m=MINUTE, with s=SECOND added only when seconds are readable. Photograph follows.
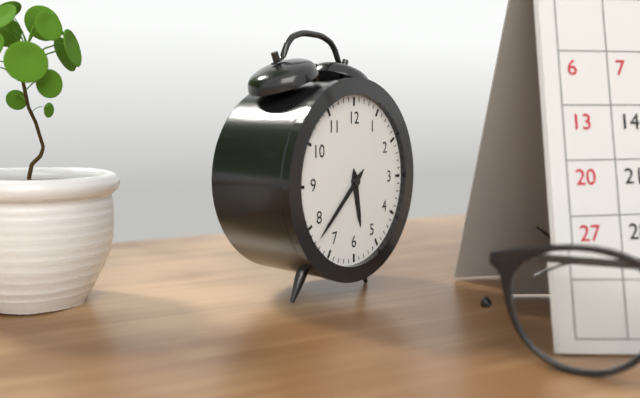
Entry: h=5 m=38
